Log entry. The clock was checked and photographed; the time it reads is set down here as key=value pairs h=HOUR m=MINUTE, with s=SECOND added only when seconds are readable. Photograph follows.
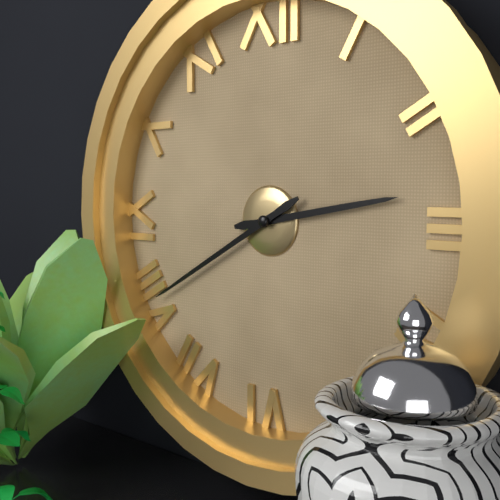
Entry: h=2 m=40
